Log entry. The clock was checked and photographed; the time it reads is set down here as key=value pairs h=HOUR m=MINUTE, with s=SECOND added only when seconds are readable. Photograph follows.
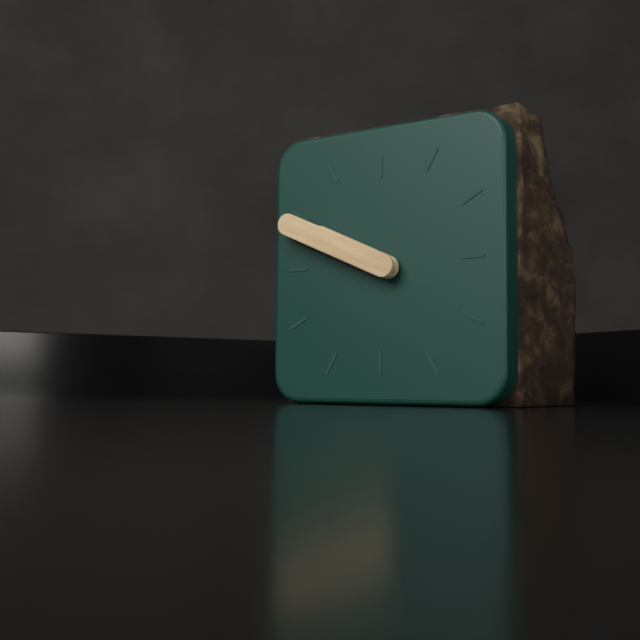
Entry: h=9 m=49
